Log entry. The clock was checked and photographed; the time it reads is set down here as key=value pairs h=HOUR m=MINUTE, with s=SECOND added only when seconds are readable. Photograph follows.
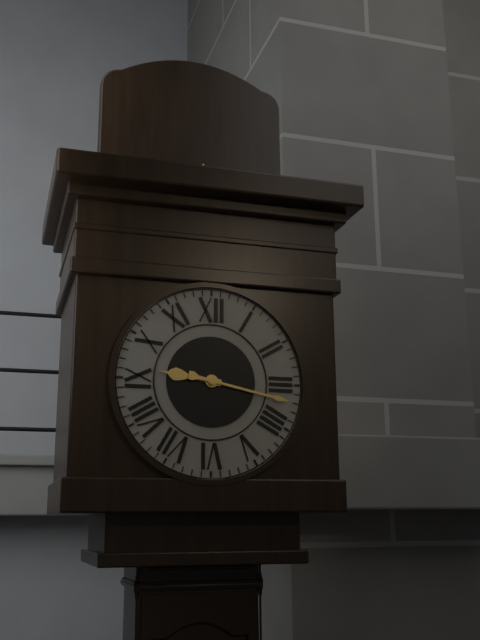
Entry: h=9 m=17
